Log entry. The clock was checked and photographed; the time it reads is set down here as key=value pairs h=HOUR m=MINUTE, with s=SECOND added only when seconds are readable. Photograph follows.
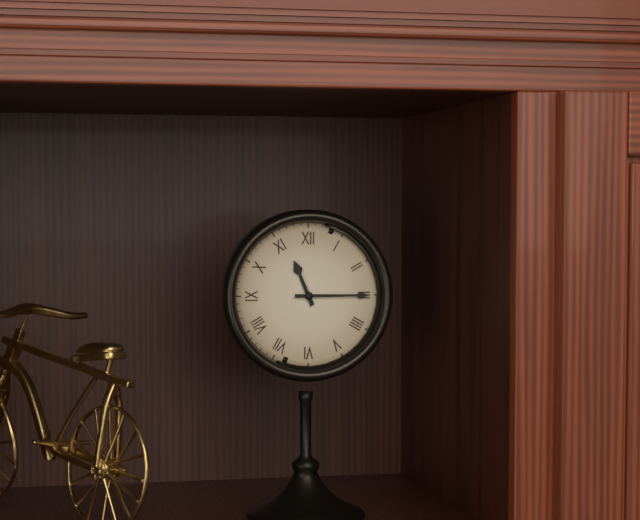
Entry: h=11 m=15
